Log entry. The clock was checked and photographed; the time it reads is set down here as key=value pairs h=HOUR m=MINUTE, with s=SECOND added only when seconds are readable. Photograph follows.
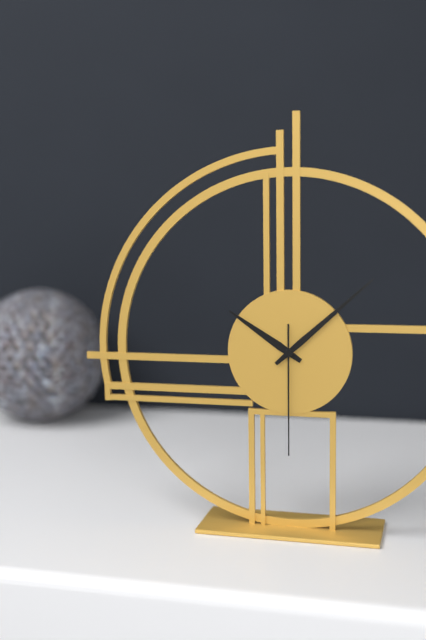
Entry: h=10 m=8 s=30
